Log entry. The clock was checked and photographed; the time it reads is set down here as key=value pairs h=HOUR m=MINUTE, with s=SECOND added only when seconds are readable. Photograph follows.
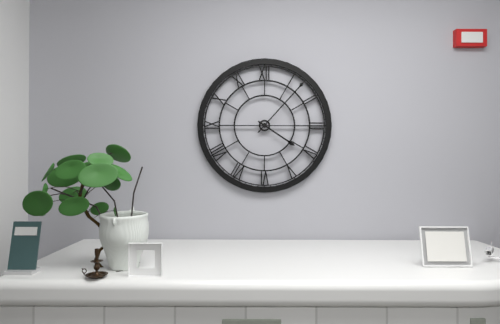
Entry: h=4 m=7
